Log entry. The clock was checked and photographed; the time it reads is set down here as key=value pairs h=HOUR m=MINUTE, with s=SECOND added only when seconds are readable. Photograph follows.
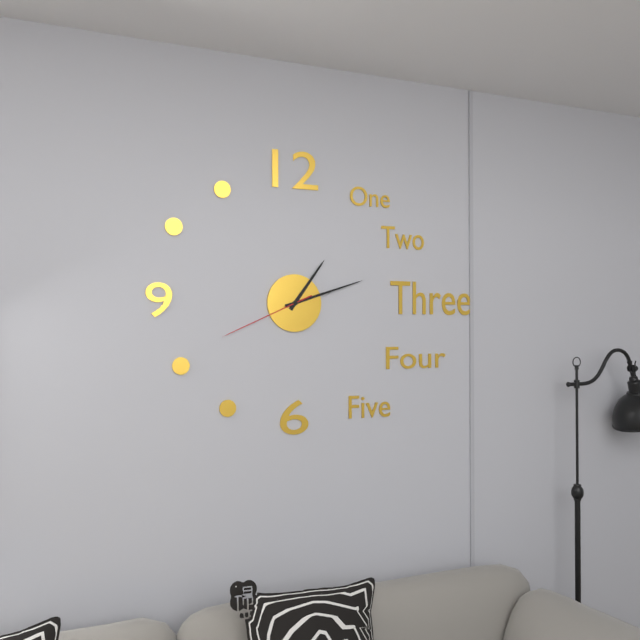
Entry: h=1 m=12 s=41
